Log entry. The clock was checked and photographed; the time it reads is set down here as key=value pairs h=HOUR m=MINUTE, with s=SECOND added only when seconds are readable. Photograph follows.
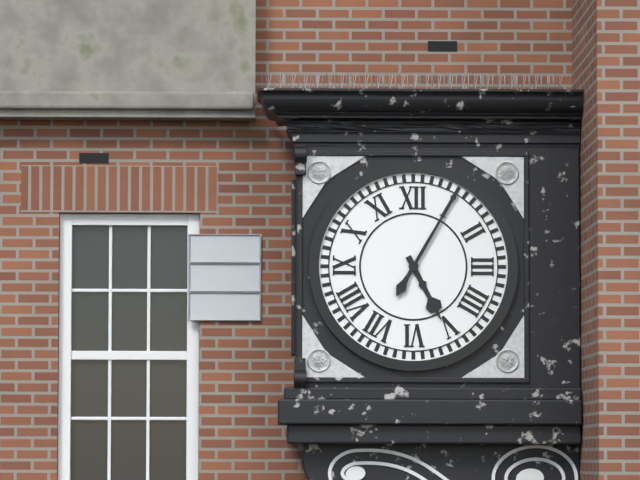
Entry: h=5 m=5
